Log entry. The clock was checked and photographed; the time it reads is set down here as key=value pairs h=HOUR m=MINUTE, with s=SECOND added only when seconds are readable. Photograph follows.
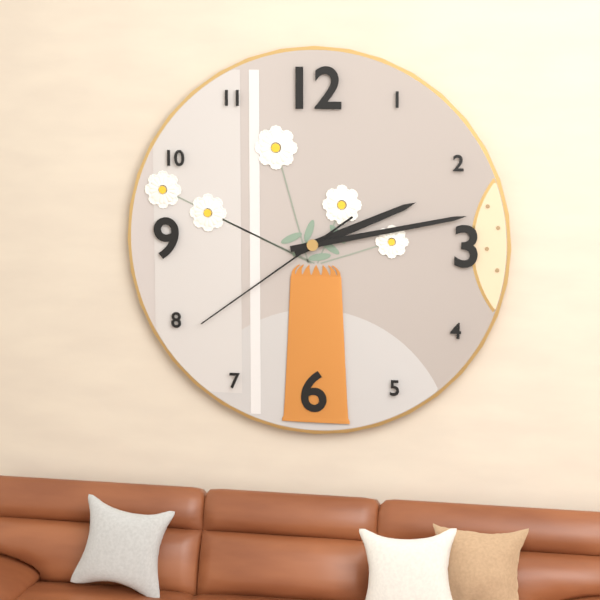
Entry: h=2 m=13 s=39
